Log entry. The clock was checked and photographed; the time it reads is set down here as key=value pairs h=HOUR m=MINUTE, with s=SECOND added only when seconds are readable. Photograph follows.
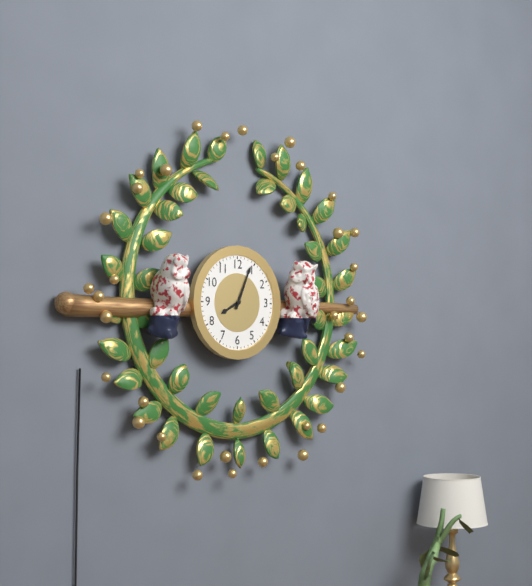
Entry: h=8 m=4
